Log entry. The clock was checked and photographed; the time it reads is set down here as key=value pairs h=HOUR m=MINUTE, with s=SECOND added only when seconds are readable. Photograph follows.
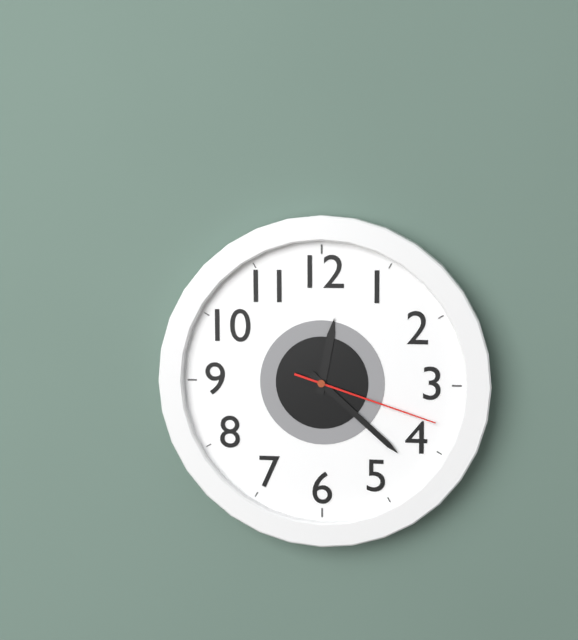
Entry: h=12 m=22 s=18
